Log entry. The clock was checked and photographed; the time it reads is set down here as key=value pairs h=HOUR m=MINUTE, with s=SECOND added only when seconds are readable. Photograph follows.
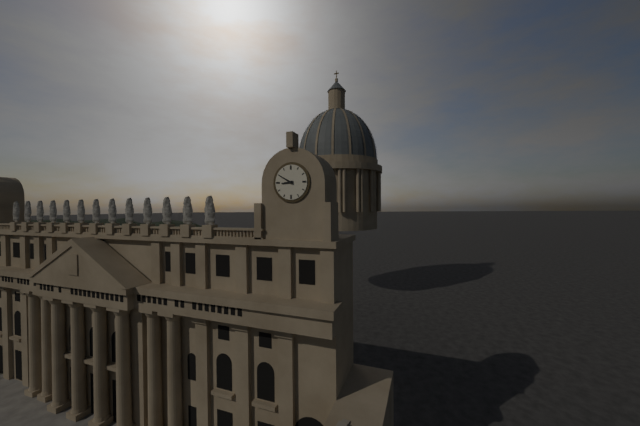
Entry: h=8 m=50
